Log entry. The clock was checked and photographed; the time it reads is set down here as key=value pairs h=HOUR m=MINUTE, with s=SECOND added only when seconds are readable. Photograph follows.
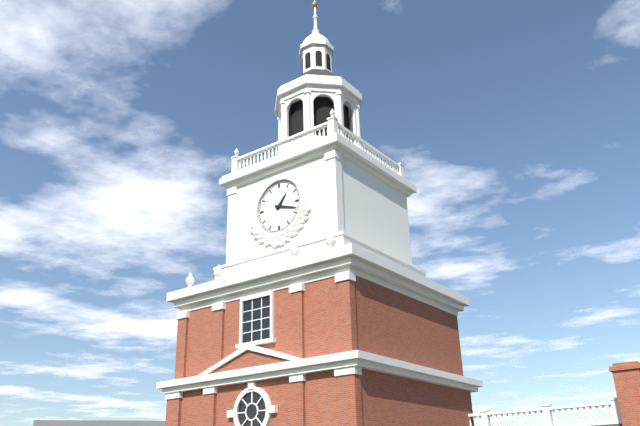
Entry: h=1 m=18
